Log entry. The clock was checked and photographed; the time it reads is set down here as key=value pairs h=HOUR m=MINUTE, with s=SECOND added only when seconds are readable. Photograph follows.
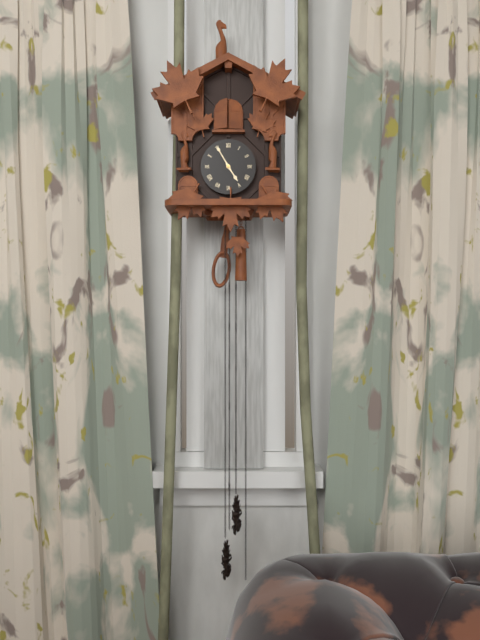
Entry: h=4 m=55
